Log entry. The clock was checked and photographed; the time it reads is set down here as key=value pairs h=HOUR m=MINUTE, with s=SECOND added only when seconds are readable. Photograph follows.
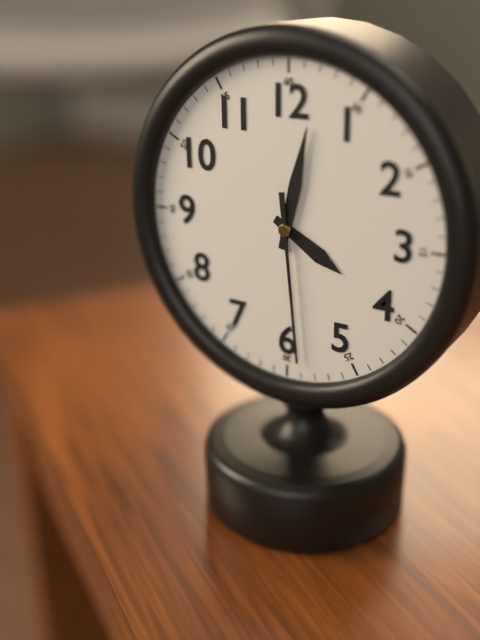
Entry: h=4 m=2 s=29
